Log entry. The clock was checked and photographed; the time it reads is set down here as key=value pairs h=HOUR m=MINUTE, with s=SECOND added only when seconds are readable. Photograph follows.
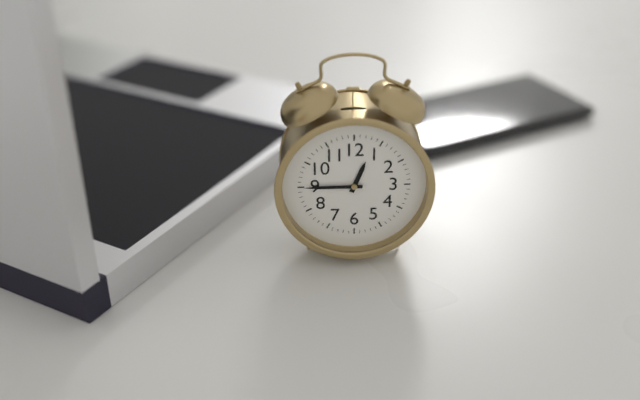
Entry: h=12 m=45
